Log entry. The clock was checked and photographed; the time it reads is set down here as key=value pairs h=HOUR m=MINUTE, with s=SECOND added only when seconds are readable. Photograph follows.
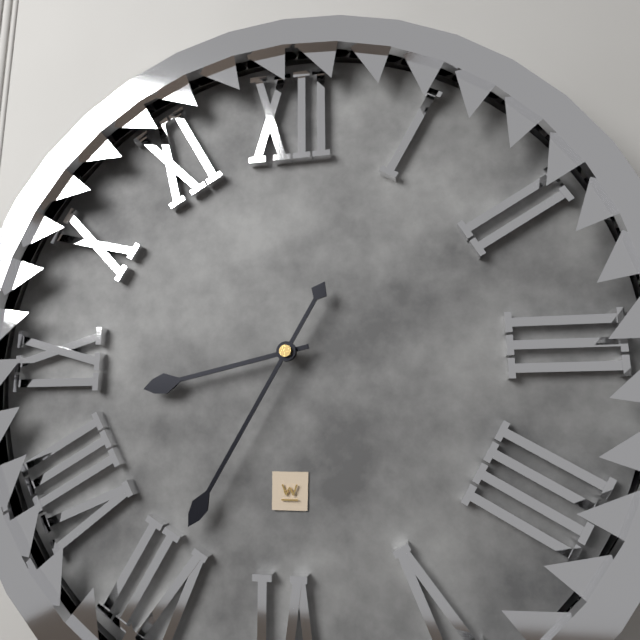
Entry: h=8 m=35
